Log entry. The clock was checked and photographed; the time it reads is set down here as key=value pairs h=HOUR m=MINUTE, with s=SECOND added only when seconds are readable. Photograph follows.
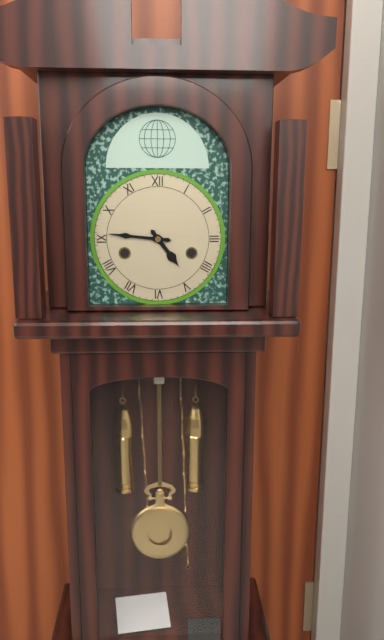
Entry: h=4 m=46
